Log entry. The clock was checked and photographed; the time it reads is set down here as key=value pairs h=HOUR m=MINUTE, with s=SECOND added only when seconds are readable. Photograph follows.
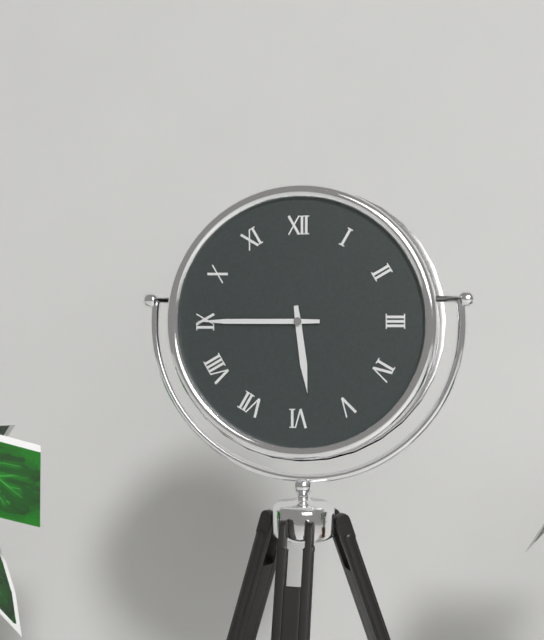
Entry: h=5 m=45
